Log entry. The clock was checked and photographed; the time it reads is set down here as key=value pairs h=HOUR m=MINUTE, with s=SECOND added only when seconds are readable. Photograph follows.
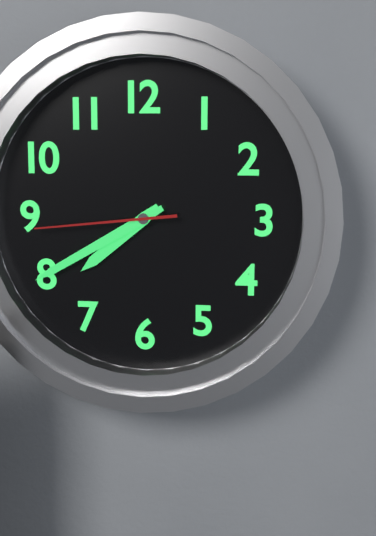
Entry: h=7 m=40 s=44
